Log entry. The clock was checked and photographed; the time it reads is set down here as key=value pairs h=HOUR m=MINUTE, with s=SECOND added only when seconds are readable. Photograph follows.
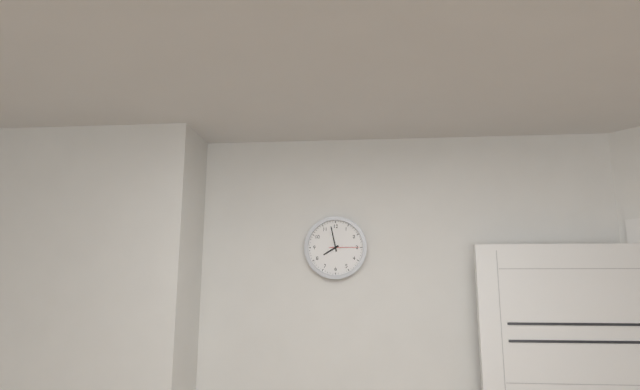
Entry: h=7 m=58
